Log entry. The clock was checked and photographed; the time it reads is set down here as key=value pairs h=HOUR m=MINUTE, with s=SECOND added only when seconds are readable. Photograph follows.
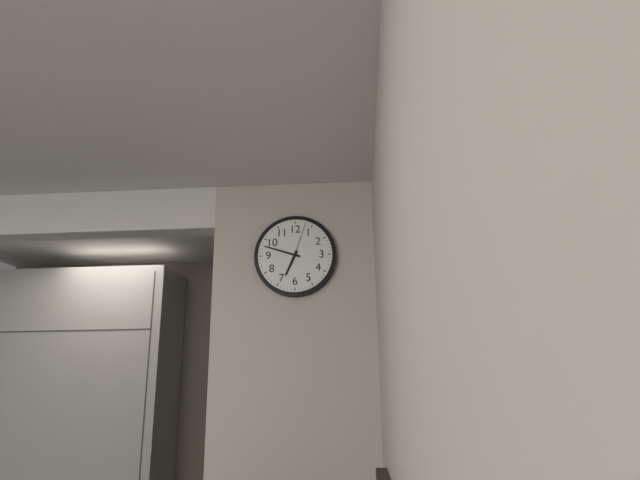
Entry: h=6 m=48
